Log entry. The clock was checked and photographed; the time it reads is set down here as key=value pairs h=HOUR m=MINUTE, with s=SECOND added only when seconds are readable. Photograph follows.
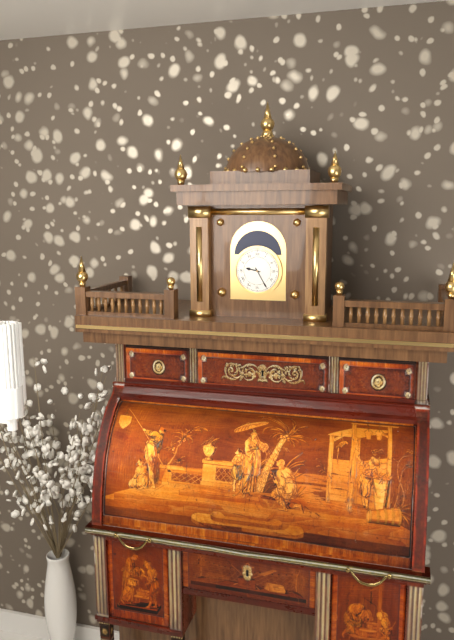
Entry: h=9 m=25
